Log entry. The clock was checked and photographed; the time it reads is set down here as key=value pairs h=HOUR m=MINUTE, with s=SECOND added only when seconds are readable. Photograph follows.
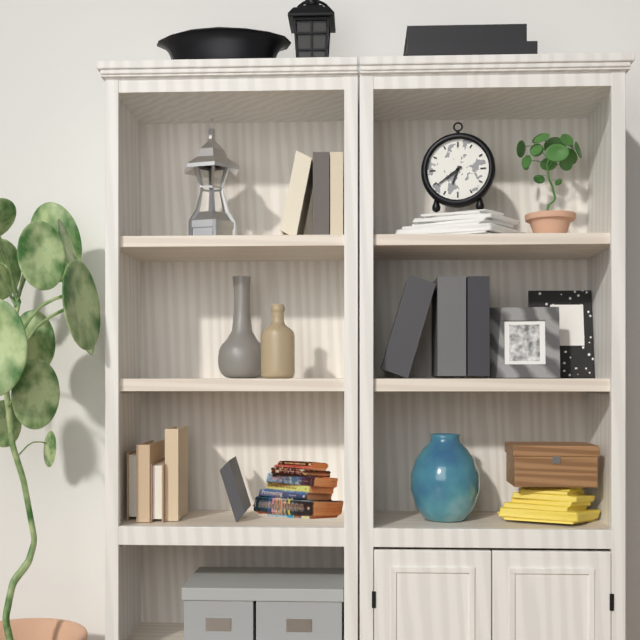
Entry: h=6 m=39
